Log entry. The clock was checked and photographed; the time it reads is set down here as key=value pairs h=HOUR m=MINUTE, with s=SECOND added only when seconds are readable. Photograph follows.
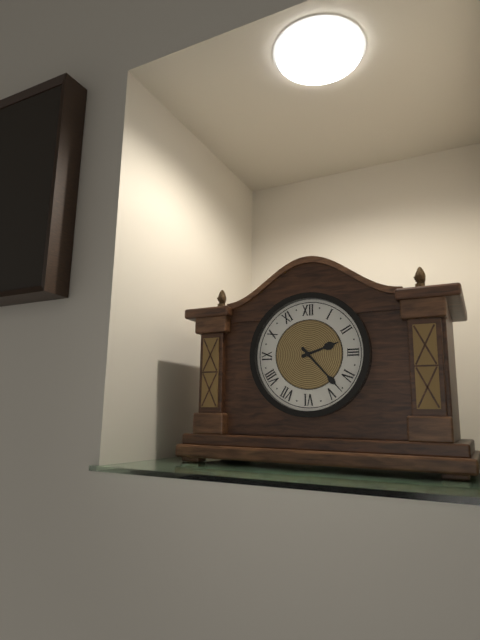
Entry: h=2 m=23
